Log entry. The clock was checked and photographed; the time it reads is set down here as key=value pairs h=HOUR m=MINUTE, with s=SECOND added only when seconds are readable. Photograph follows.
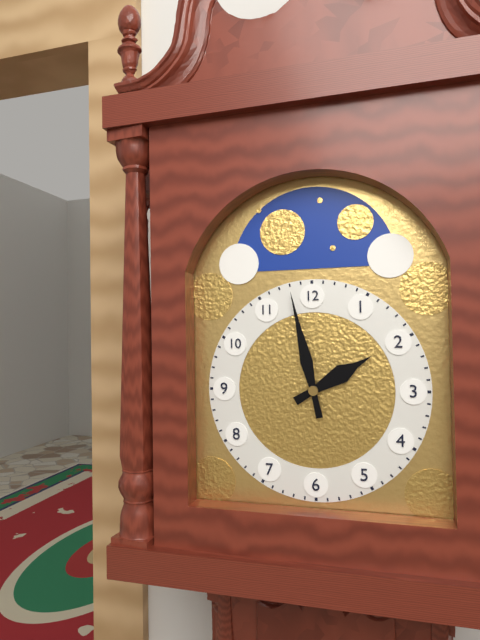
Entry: h=1 m=58
